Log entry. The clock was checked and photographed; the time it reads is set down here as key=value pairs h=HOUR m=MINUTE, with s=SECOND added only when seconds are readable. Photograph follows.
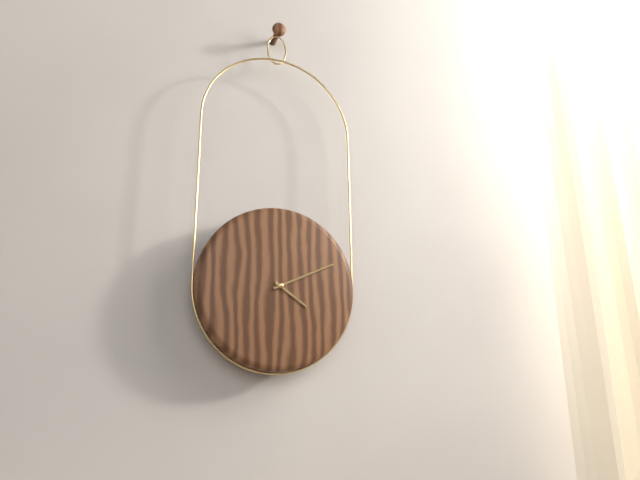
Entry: h=4 m=11
